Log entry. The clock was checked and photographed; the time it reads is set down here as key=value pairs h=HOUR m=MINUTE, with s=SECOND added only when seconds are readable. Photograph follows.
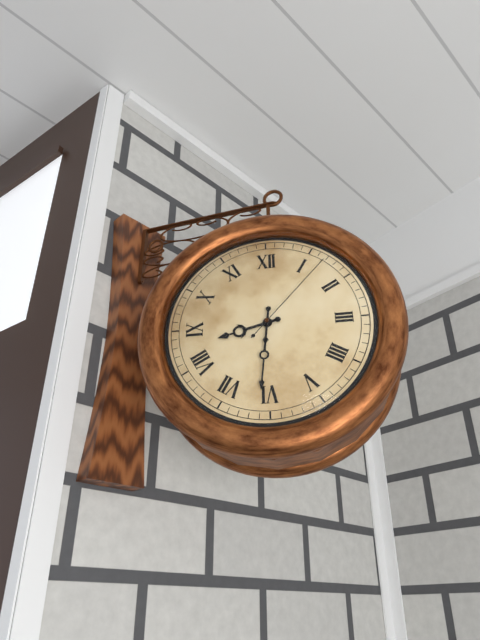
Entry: h=8 m=31 s=7
